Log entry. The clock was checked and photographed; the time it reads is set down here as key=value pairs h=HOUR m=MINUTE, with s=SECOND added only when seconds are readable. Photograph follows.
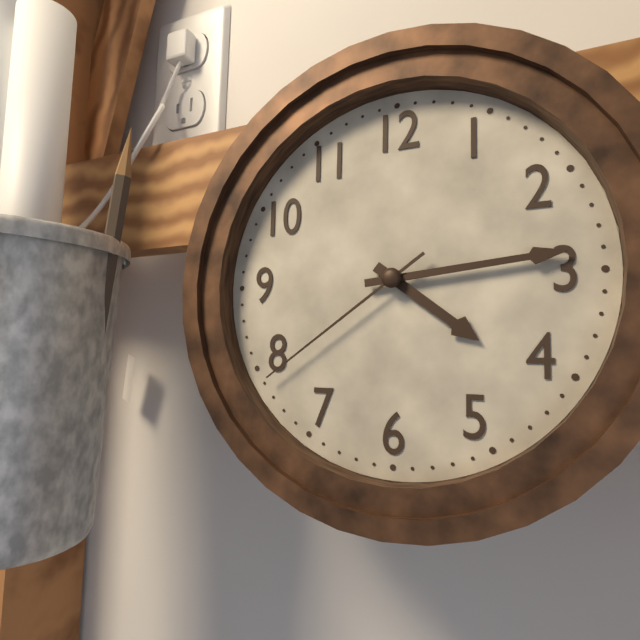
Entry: h=4 m=14 s=39
